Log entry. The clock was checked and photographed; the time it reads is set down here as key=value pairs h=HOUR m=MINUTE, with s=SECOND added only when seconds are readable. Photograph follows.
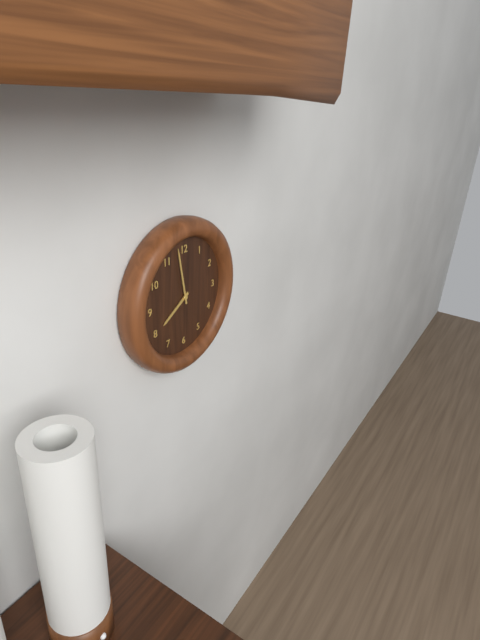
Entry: h=7 m=58
